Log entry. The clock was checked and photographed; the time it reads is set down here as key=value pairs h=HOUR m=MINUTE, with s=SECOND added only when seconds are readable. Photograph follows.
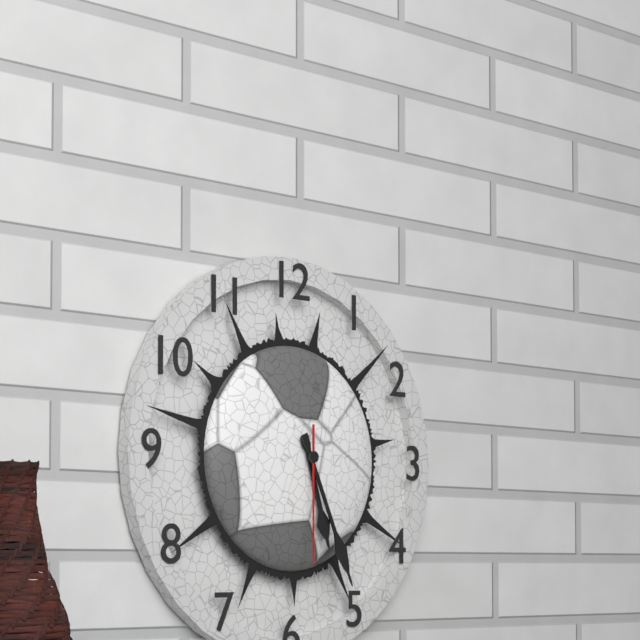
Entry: h=5 m=26 s=30
